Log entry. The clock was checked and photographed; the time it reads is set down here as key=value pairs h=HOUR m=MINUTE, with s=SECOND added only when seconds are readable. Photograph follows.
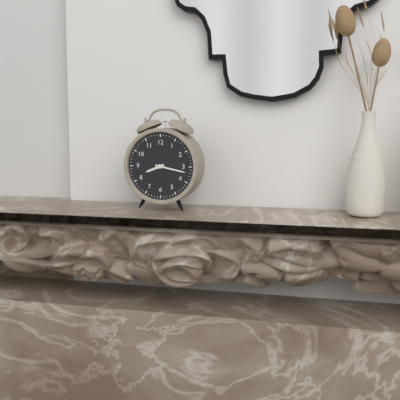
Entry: h=8 m=17
